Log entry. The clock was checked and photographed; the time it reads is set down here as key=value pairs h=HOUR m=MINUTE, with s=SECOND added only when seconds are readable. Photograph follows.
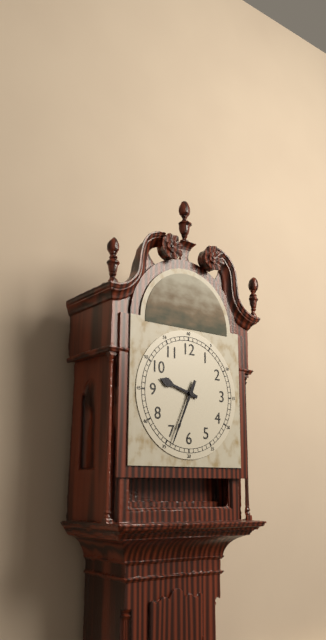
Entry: h=9 m=34
